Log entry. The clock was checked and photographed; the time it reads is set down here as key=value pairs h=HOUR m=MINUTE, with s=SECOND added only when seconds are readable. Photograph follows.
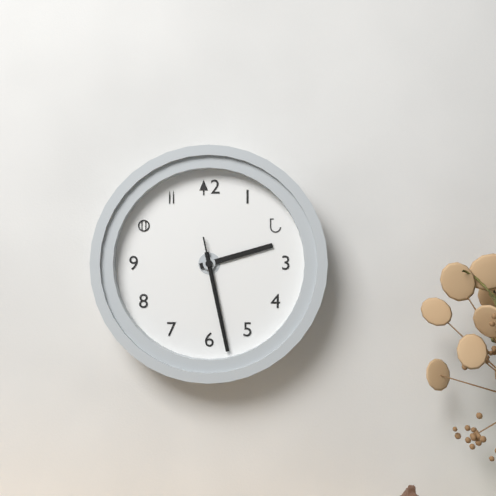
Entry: h=2 m=28 s=28
